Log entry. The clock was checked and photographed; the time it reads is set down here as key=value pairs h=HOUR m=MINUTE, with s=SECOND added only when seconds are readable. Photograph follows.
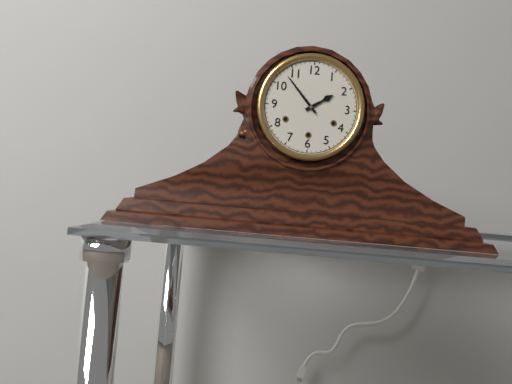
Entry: h=1 m=53
